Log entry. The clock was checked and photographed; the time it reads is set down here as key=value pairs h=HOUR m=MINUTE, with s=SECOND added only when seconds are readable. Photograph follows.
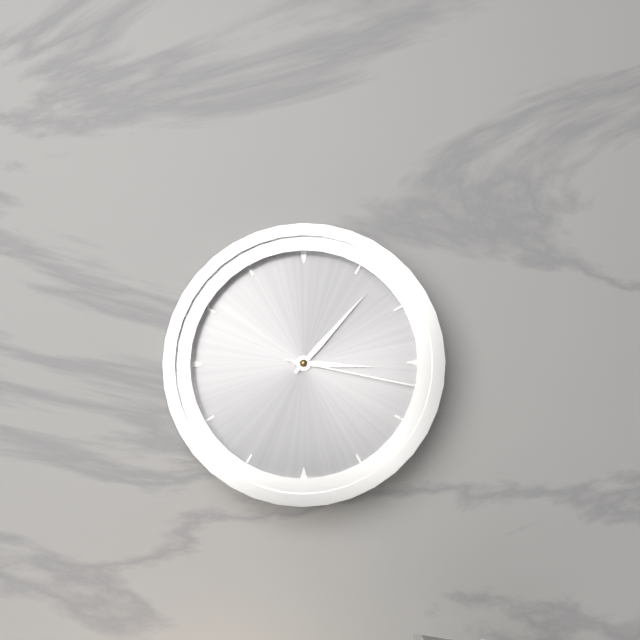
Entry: h=3 m=7 s=17
